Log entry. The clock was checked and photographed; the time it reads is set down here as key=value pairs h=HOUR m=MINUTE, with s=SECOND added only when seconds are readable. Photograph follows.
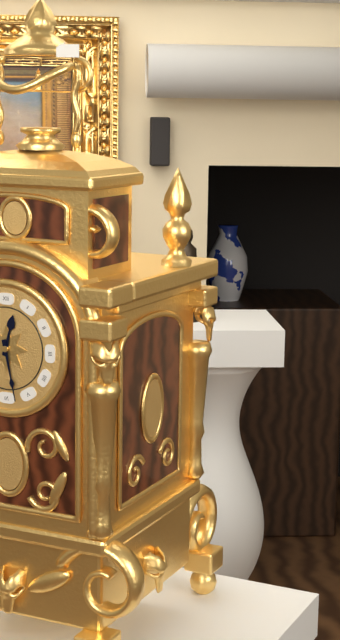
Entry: h=12 m=28
